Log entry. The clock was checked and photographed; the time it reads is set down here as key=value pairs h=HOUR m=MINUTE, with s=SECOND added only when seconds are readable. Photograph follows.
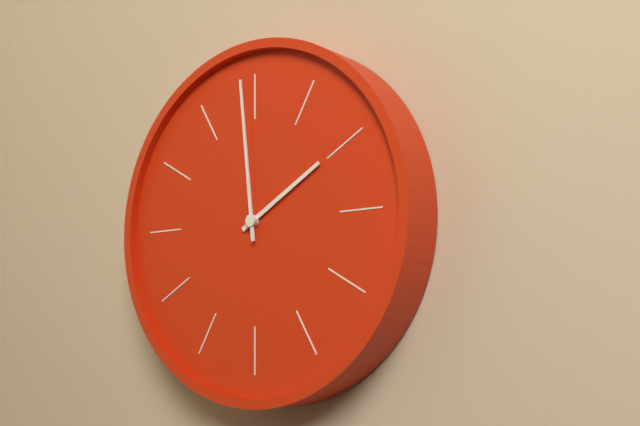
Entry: h=1 m=59
